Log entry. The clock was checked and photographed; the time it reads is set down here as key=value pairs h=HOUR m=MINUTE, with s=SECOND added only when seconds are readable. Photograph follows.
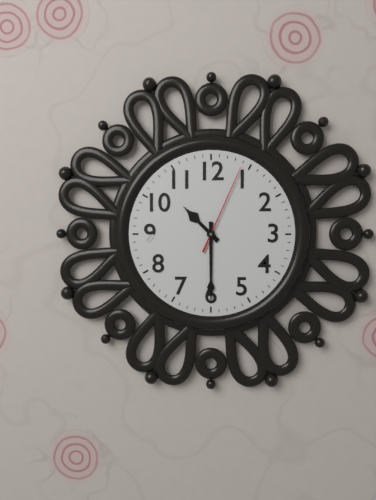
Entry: h=10 m=30 s=4
